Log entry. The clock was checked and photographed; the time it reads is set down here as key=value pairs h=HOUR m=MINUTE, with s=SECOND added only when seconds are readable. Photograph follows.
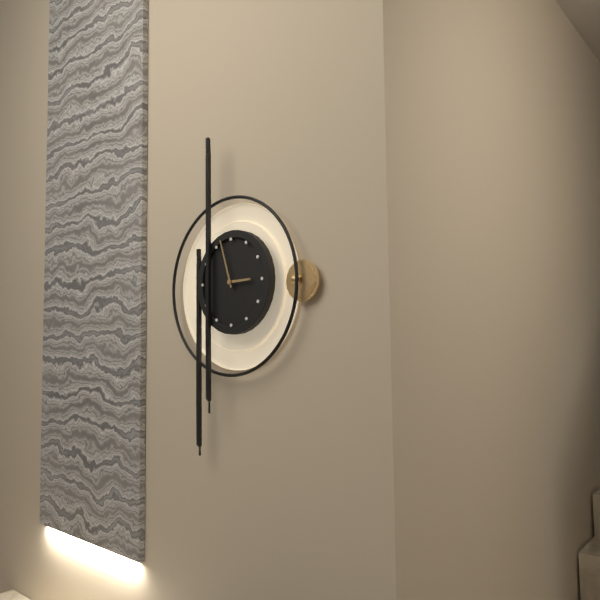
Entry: h=2 m=57
